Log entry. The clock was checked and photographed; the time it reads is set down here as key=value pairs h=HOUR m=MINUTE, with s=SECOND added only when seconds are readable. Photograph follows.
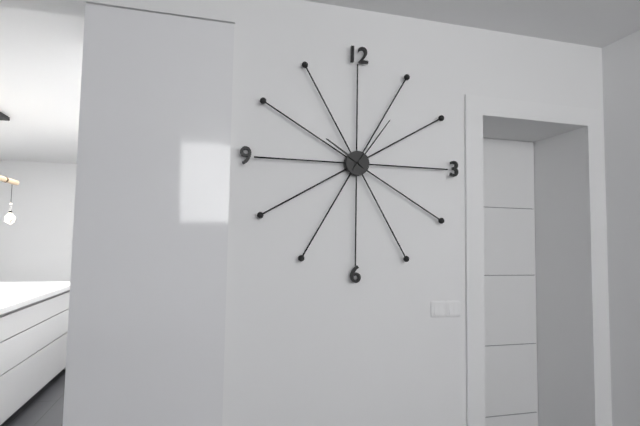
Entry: h=10 m=6
